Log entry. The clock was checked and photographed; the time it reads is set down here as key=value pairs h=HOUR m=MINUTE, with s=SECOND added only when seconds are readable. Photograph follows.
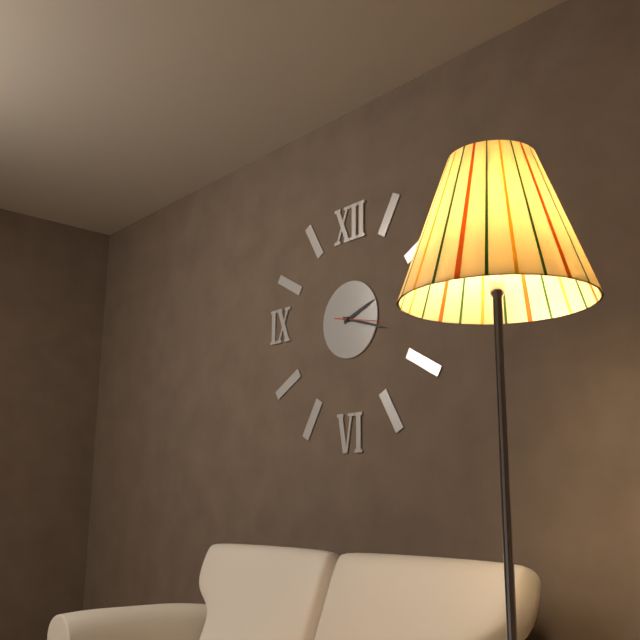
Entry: h=2 m=18
